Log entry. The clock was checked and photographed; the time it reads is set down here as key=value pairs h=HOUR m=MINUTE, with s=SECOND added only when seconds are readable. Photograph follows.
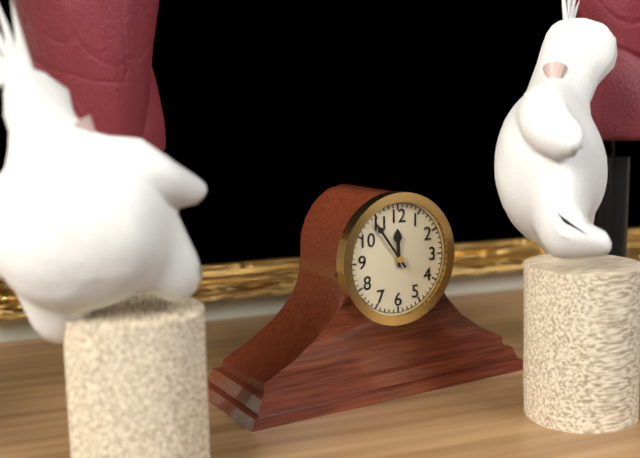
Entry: h=11 m=54
